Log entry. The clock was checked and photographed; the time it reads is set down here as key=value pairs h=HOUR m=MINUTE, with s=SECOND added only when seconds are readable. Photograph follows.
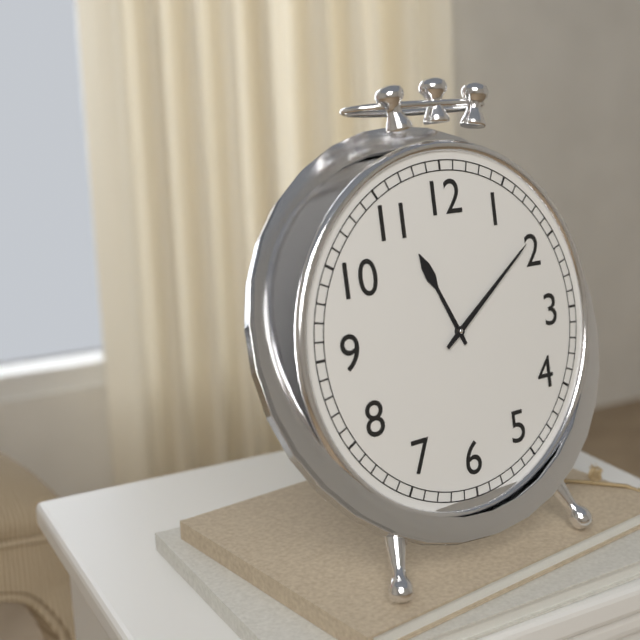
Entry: h=11 m=9
